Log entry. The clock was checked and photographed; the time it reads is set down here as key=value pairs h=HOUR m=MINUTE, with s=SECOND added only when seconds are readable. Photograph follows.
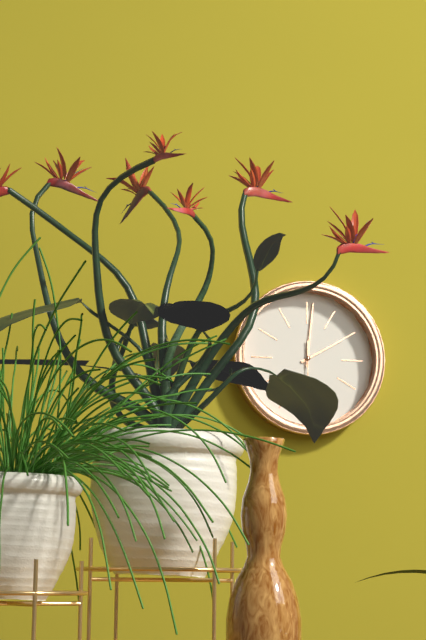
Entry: h=2 m=1
